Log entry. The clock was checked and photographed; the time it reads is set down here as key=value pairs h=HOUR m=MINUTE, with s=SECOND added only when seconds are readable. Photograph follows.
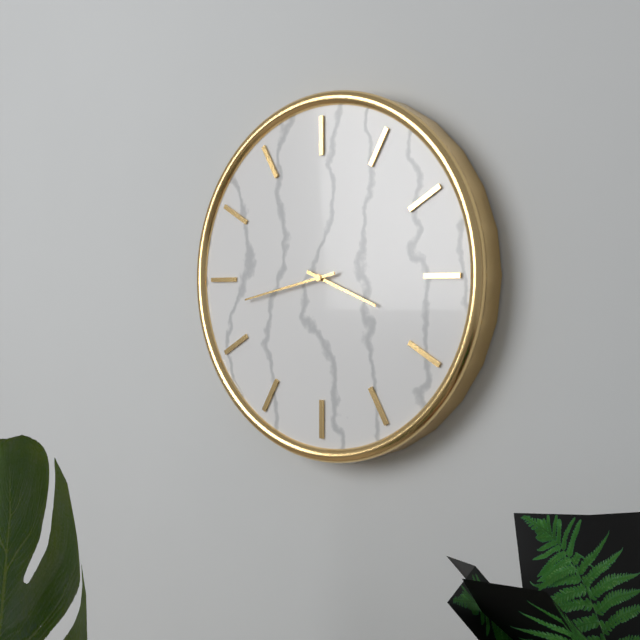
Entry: h=3 m=43
